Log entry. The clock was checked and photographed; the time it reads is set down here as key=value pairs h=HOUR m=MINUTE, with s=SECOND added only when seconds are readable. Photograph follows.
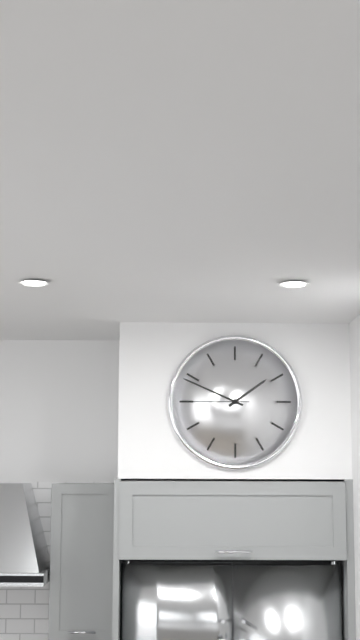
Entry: h=1 m=49 s=45
